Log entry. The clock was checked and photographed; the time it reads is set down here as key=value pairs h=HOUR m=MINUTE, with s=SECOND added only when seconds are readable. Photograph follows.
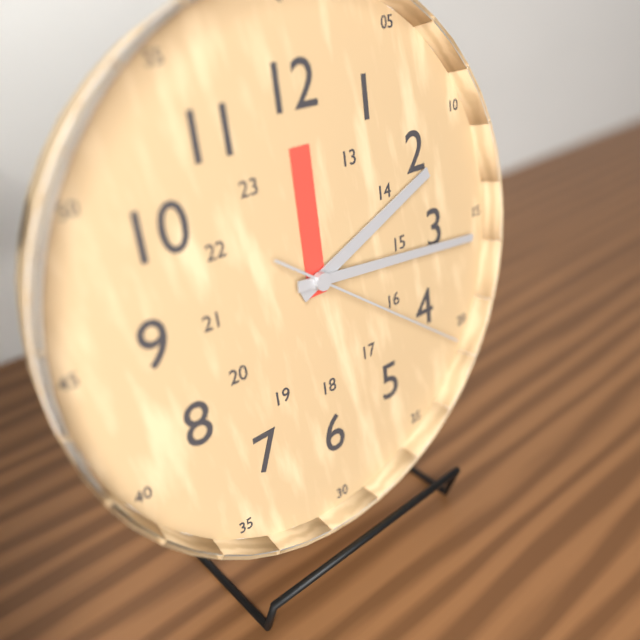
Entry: h=2 m=16 s=21
